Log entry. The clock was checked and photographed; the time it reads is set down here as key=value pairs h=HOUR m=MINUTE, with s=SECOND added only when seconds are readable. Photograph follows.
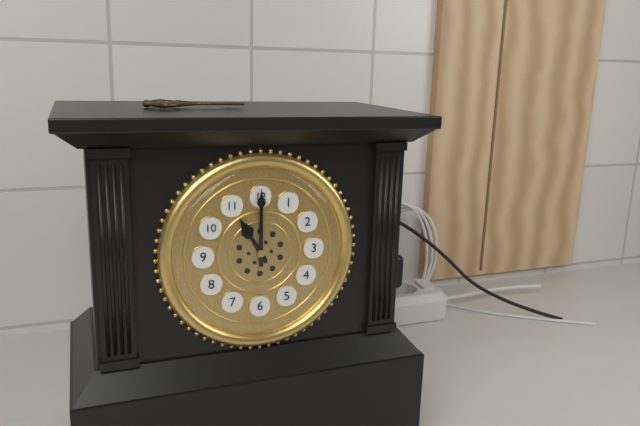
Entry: h=11 m=0
